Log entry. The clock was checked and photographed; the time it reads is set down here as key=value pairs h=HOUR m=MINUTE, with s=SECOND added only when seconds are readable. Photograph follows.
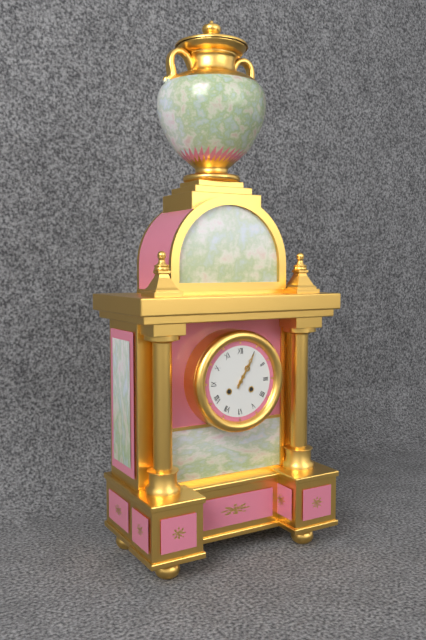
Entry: h=1 m=5
